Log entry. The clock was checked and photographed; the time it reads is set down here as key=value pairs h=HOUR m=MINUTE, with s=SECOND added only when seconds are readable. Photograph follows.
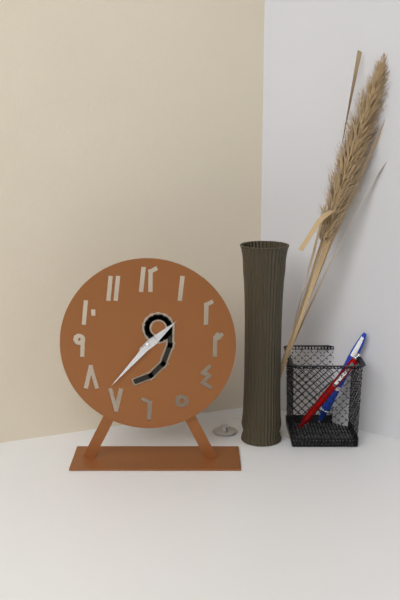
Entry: h=1 m=37
